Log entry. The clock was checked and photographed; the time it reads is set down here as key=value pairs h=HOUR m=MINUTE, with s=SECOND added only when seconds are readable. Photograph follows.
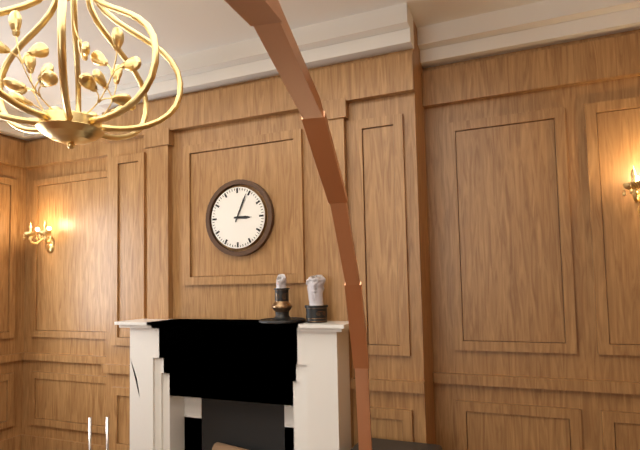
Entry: h=3 m=4
